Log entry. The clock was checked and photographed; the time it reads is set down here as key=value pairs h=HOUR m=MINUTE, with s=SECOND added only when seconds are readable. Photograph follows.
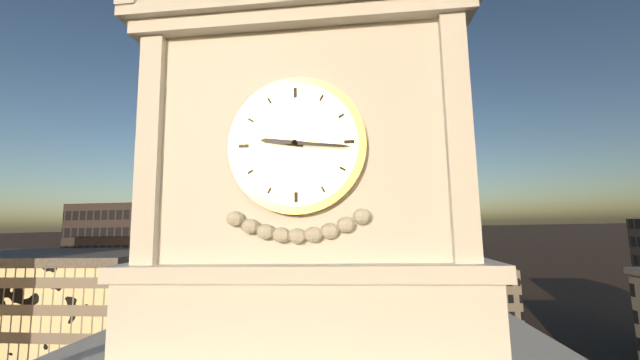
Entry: h=9 m=16
